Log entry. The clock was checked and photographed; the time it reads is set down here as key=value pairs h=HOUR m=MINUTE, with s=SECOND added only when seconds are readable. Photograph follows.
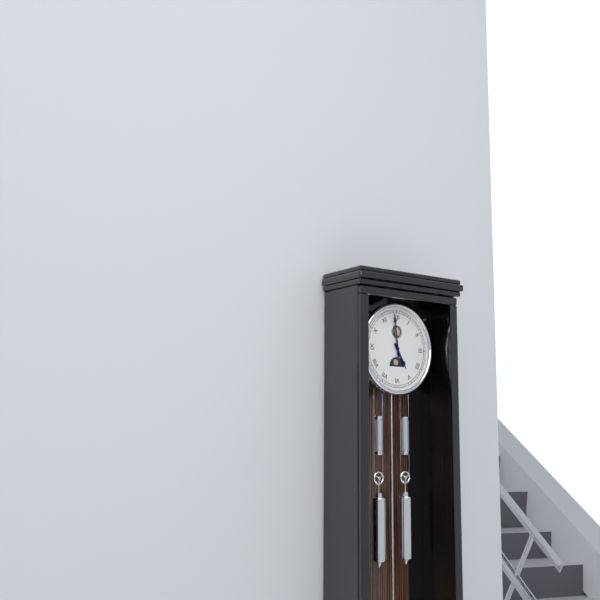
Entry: h=4 m=59
